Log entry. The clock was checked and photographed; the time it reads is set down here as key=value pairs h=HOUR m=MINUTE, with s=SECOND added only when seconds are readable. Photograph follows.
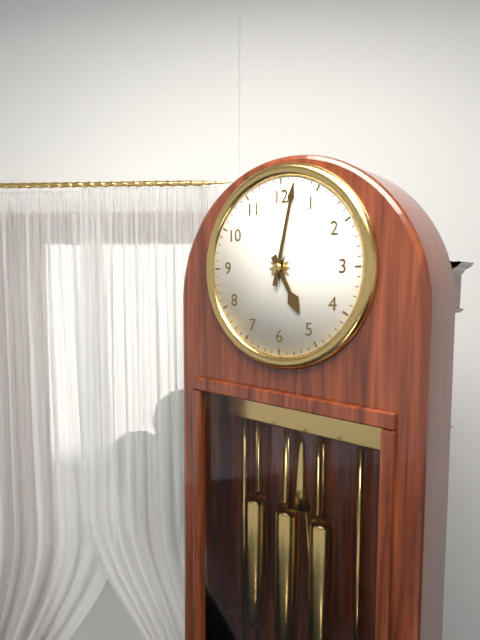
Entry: h=5 m=2
